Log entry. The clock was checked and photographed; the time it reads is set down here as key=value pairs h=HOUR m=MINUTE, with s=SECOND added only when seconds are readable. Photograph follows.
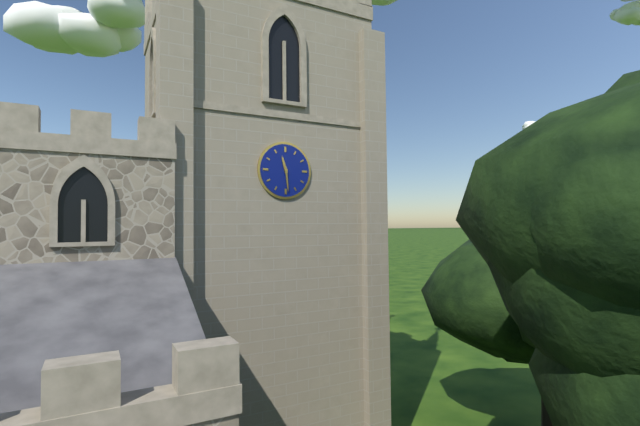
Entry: h=11 m=29
